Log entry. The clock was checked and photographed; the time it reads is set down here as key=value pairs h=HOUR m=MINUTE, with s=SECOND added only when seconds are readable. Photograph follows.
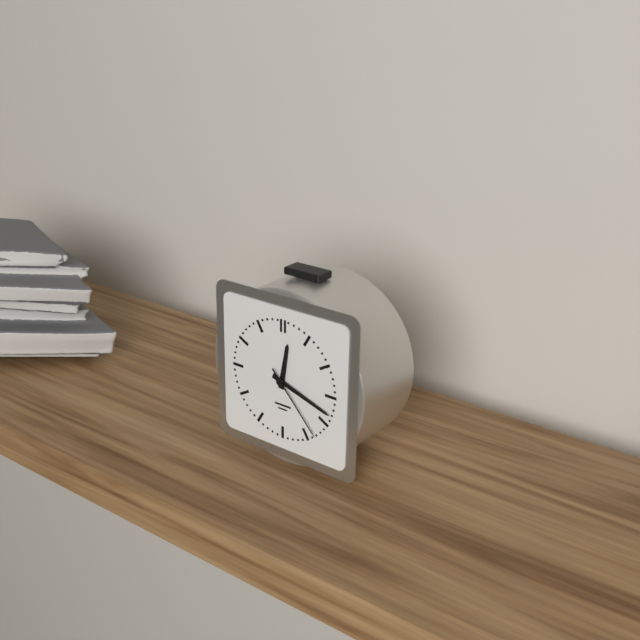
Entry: h=12 m=18 s=23
